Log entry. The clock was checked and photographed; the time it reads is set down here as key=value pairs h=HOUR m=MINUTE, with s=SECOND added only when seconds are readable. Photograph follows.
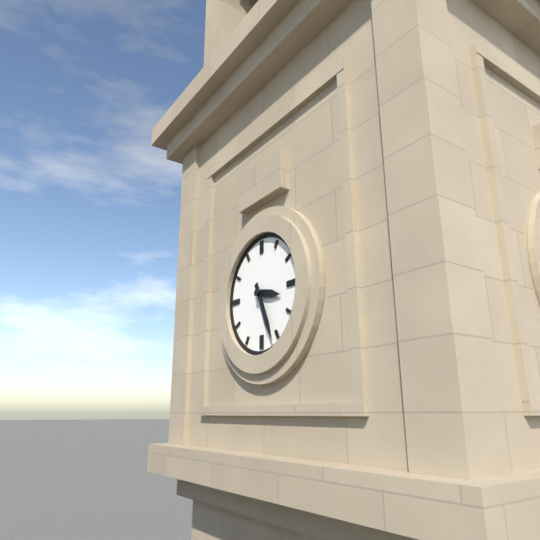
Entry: h=3 m=26
